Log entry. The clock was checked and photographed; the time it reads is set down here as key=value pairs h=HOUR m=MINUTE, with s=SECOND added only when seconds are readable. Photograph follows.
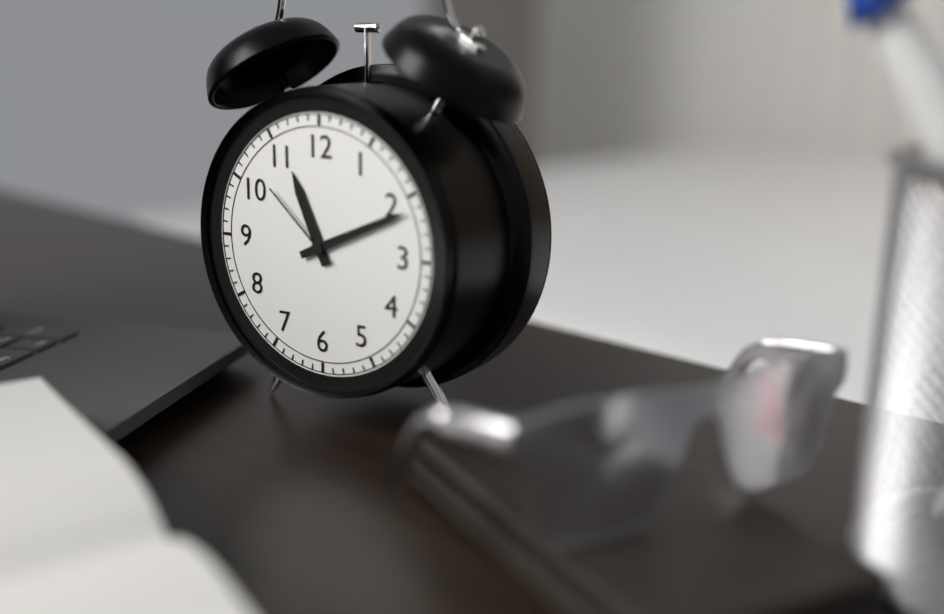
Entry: h=11 m=11 s=52
